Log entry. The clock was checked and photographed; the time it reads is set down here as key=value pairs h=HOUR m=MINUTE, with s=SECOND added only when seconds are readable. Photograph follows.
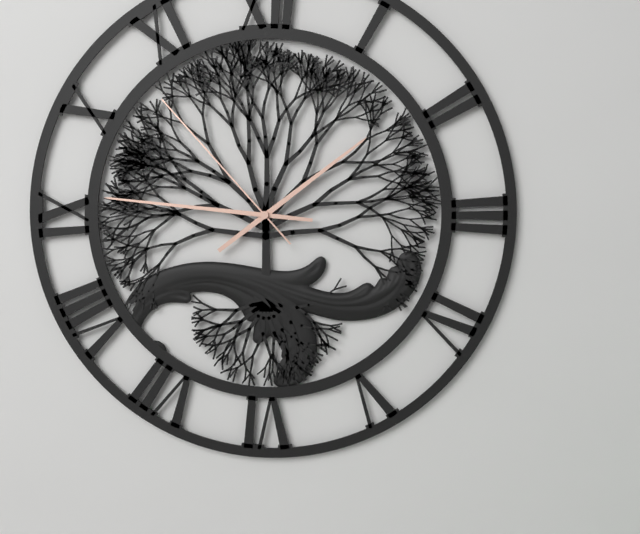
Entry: h=1 m=46 s=53
